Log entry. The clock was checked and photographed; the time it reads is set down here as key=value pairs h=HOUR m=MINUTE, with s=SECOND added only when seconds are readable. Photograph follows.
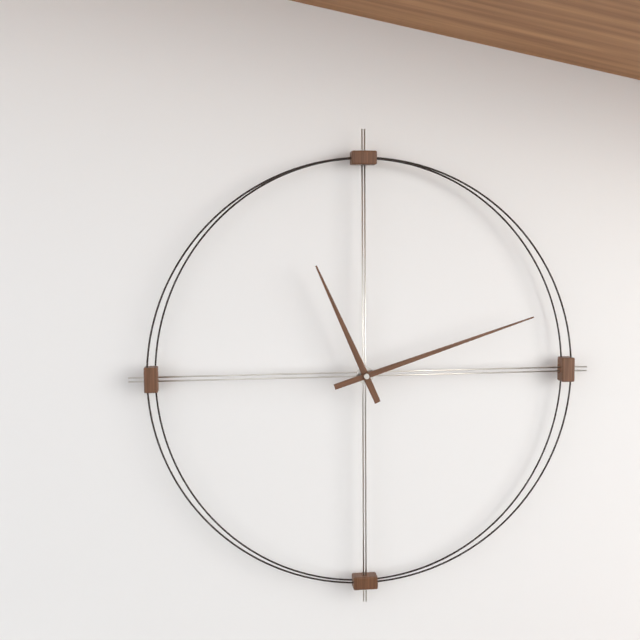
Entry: h=11 m=12
